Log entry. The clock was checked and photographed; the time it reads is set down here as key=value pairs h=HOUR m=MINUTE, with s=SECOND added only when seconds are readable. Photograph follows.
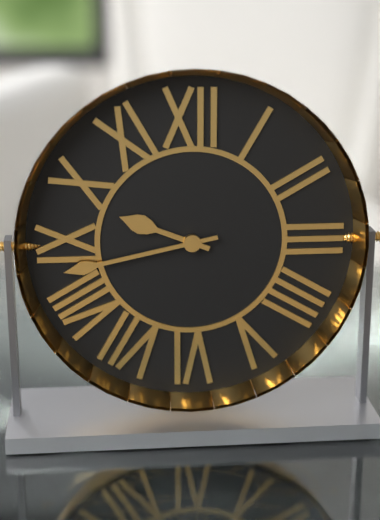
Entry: h=9 m=43
